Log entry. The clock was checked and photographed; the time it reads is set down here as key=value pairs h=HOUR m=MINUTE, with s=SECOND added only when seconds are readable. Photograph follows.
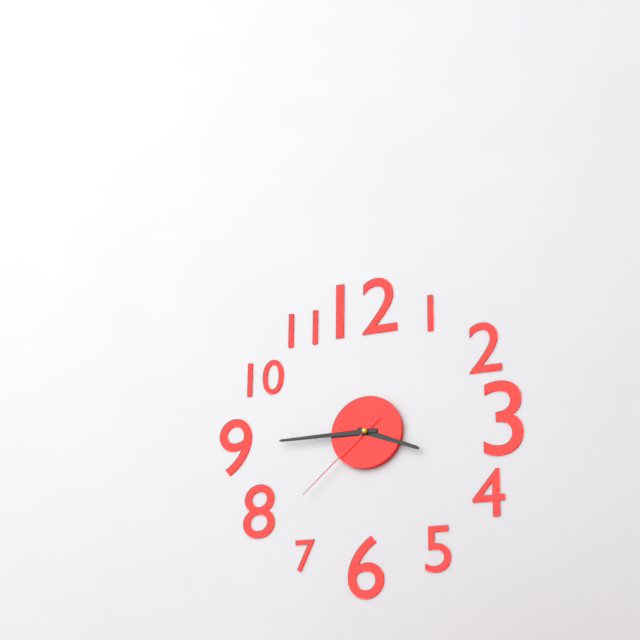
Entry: h=3 m=45 s=38
